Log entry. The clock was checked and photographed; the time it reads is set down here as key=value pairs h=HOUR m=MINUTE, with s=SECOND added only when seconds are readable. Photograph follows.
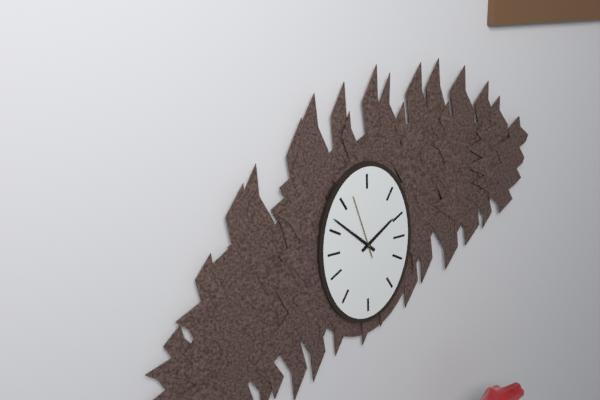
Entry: h=1 m=52 s=57
